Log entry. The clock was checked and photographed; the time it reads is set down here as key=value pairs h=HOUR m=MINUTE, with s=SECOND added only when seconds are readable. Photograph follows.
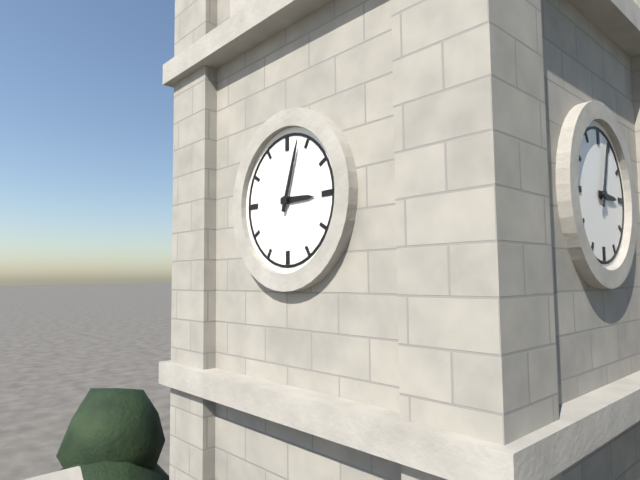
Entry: h=3 m=3
